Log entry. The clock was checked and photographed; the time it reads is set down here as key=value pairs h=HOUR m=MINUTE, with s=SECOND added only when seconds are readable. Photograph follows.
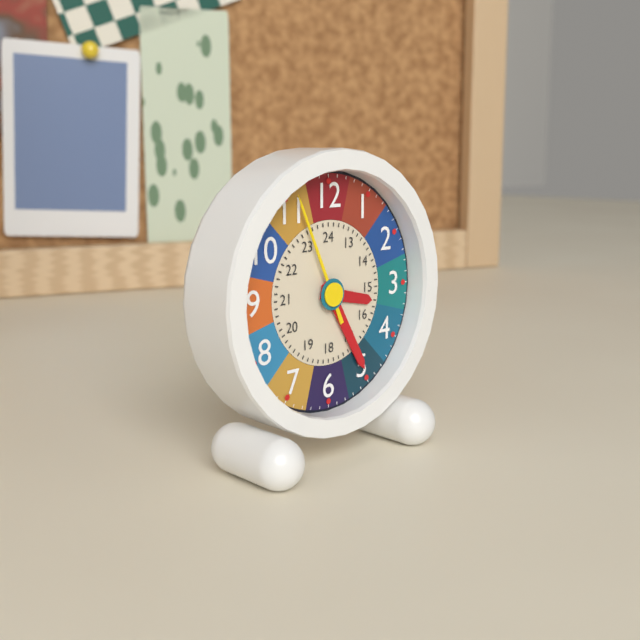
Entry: h=3 m=25 s=56
